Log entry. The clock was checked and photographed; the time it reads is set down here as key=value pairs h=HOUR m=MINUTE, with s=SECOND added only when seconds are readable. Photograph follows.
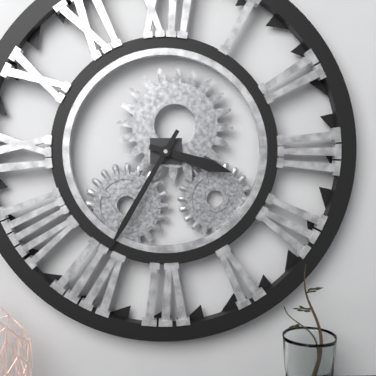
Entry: h=3 m=35
